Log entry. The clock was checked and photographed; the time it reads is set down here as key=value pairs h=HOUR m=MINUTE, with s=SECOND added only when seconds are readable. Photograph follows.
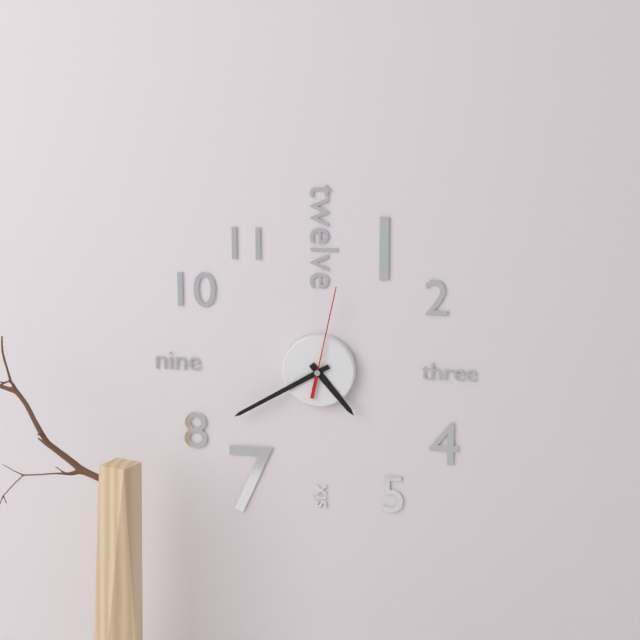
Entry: h=4 m=40 s=2
